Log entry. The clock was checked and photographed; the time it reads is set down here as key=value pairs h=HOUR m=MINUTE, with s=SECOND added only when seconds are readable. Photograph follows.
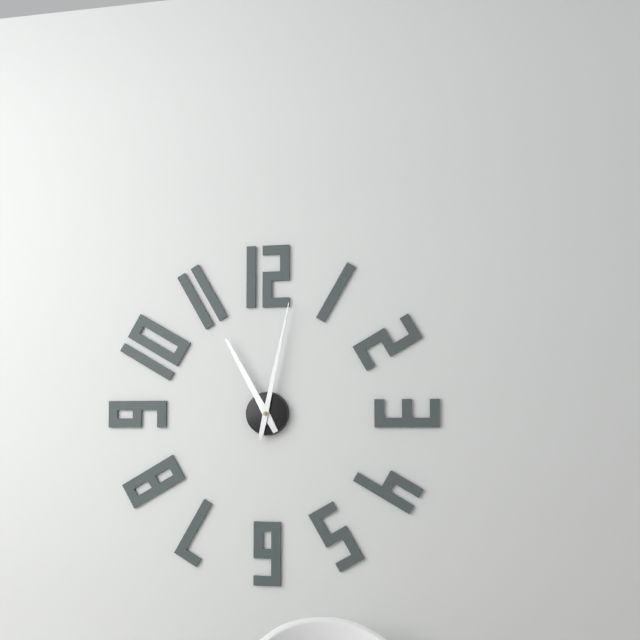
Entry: h=11 m=2
